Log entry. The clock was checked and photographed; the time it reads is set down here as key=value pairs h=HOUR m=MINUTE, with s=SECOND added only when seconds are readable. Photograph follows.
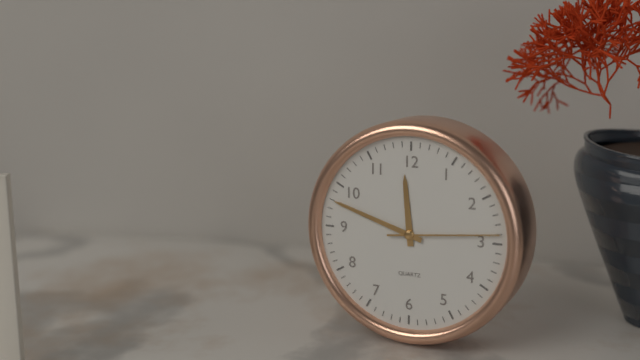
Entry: h=11 m=48 s=14
